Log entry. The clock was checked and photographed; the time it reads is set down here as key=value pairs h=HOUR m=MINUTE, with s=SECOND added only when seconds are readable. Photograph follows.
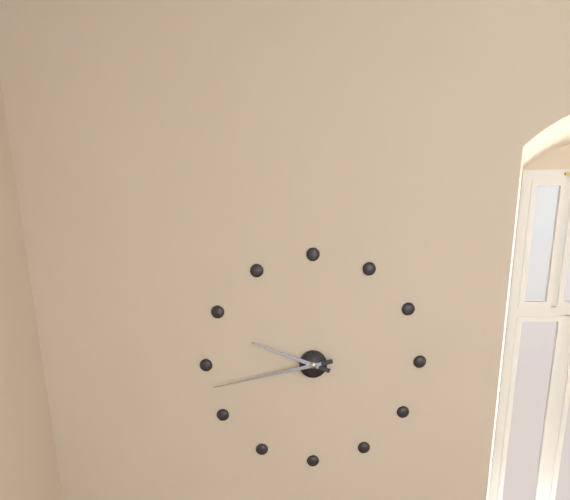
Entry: h=9 m=43
